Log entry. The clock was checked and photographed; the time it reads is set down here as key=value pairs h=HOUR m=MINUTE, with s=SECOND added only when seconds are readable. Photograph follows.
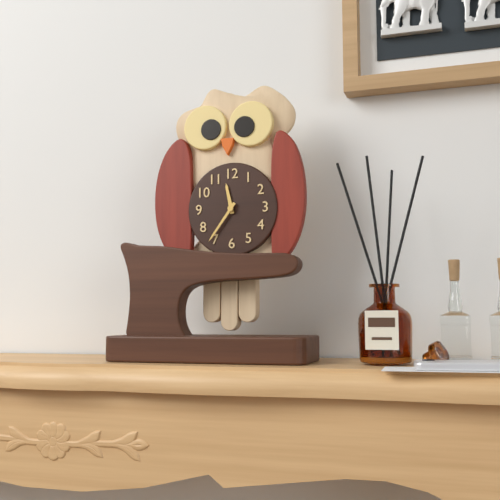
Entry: h=11 m=36
